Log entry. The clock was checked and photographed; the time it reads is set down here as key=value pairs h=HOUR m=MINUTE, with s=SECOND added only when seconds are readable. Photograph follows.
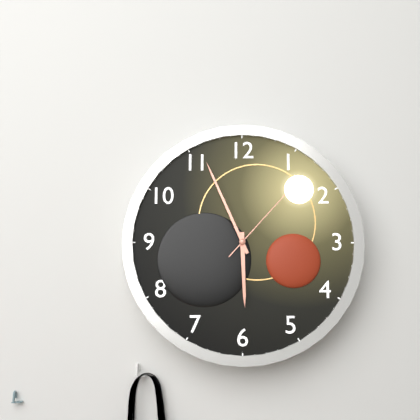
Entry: h=5 m=56 s=7
